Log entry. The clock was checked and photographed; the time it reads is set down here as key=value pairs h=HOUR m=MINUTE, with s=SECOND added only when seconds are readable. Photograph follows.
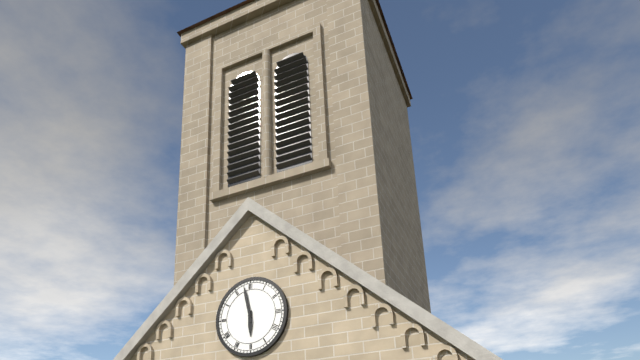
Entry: h=5 m=58
